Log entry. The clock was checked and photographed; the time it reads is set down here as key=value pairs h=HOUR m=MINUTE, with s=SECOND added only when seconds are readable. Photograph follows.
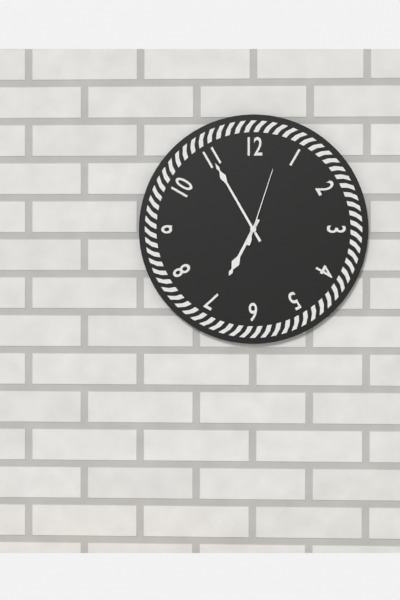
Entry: h=6 m=55 s=3
